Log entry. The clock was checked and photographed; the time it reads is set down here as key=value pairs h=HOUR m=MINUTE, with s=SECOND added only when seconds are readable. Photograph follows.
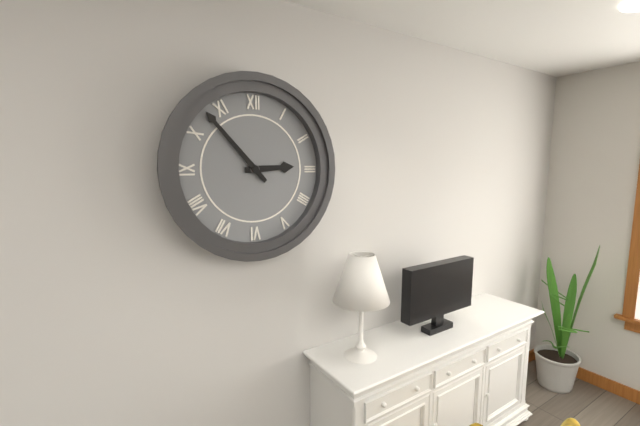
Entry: h=2 m=53
